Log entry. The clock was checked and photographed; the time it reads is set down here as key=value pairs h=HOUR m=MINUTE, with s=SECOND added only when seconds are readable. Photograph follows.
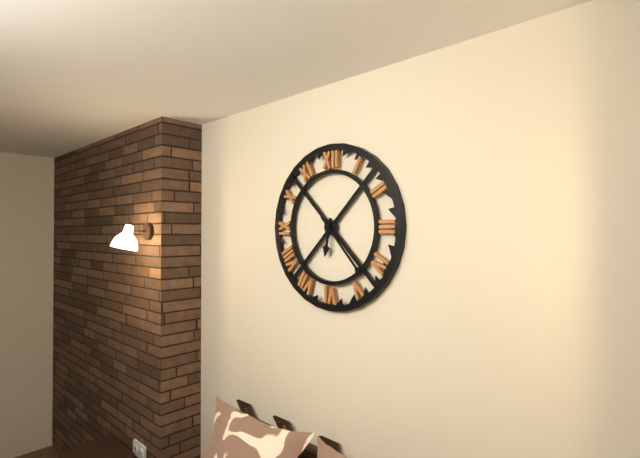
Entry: h=6 m=23
